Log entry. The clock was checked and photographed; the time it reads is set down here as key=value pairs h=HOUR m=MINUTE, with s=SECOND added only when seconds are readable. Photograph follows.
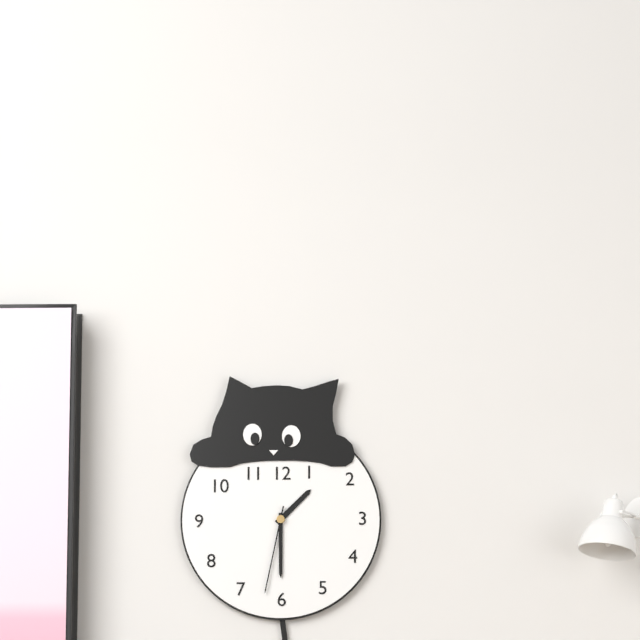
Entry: h=1 m=30 s=32
